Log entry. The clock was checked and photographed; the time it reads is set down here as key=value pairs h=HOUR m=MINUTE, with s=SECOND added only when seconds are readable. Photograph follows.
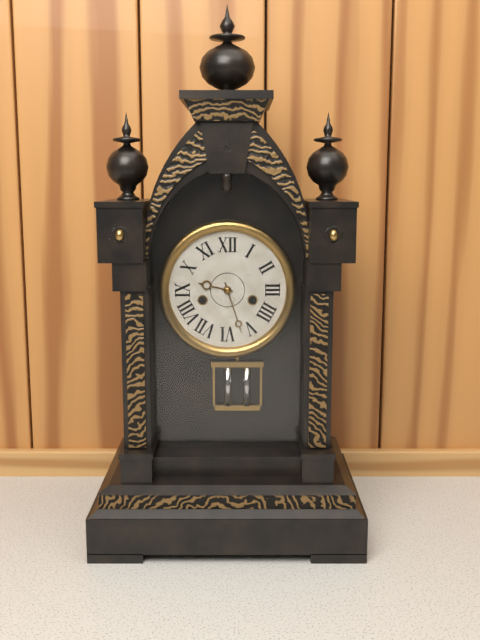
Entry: h=9 m=27
